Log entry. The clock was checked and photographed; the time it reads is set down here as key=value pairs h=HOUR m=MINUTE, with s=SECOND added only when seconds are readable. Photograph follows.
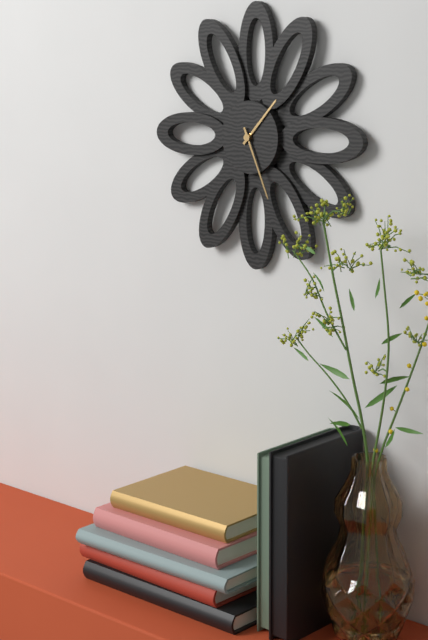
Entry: h=1 m=26
